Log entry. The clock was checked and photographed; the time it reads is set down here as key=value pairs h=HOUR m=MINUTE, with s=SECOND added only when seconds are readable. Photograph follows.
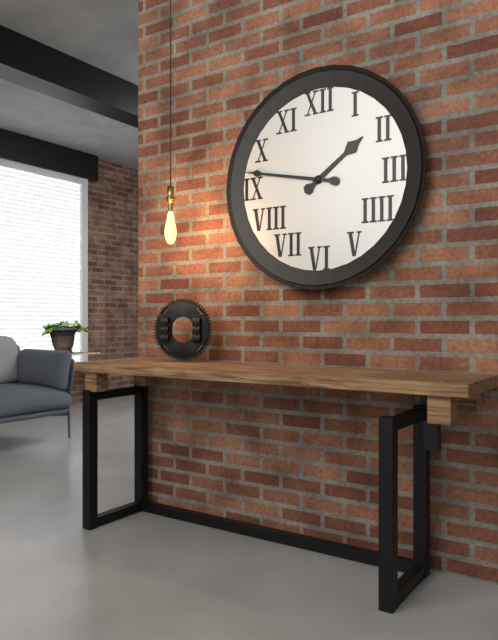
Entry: h=1 m=47
